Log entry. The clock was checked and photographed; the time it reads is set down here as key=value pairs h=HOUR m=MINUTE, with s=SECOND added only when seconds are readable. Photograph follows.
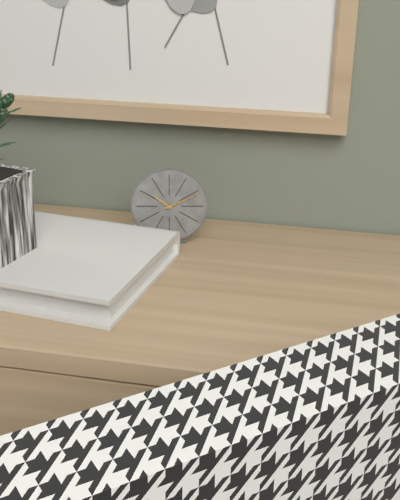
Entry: h=10 m=11
